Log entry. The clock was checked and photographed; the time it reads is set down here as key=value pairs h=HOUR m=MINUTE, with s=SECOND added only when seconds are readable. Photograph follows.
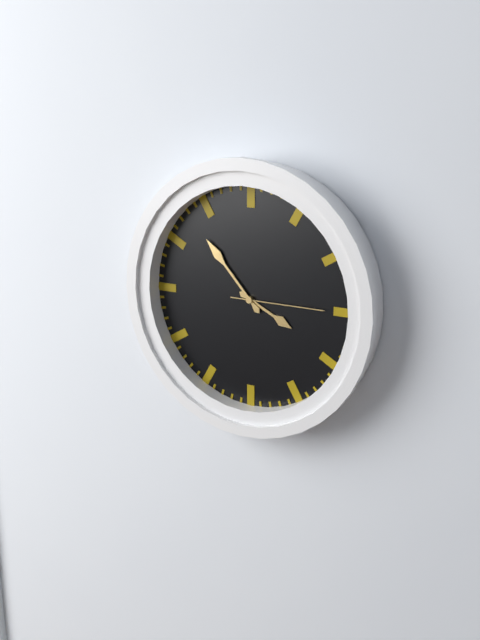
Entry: h=3 m=53 s=15
